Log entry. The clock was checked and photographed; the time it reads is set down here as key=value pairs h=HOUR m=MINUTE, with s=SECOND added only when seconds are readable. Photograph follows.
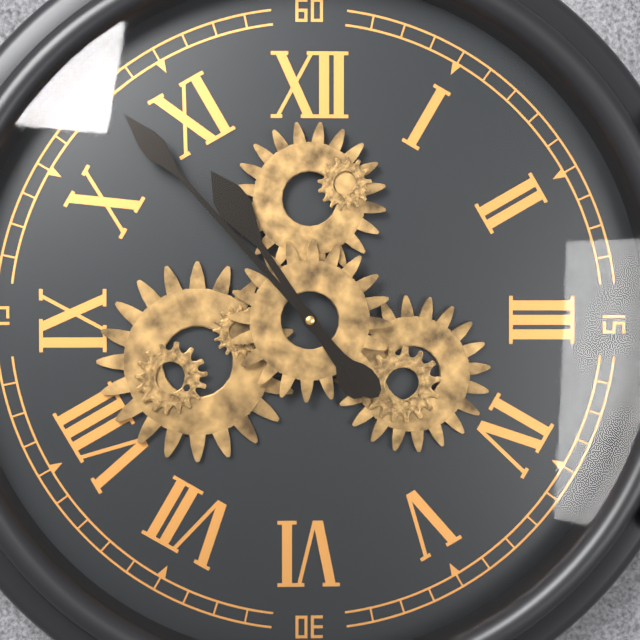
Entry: h=10 m=53
